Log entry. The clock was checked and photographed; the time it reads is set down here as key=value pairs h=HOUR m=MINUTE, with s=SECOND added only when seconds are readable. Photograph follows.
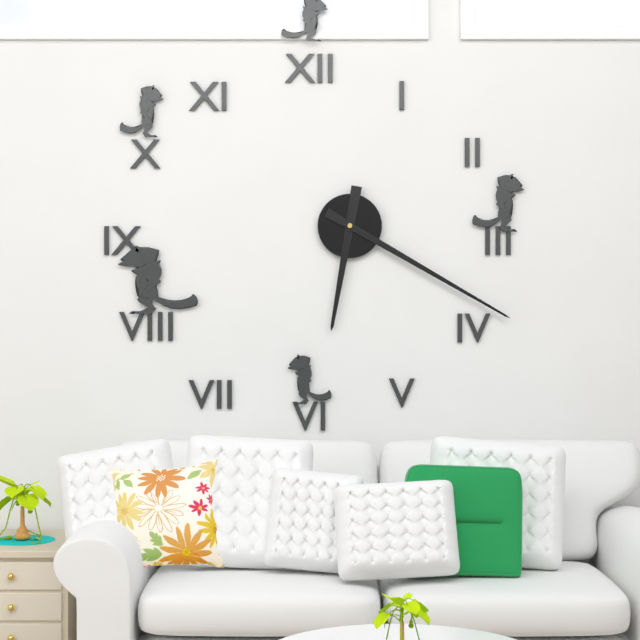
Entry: h=6 m=20
